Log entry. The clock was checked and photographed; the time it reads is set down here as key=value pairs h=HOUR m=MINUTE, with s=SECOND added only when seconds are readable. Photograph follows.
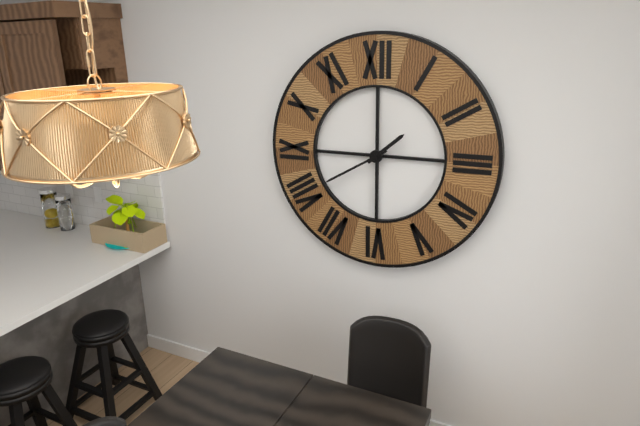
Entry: h=1 m=40
